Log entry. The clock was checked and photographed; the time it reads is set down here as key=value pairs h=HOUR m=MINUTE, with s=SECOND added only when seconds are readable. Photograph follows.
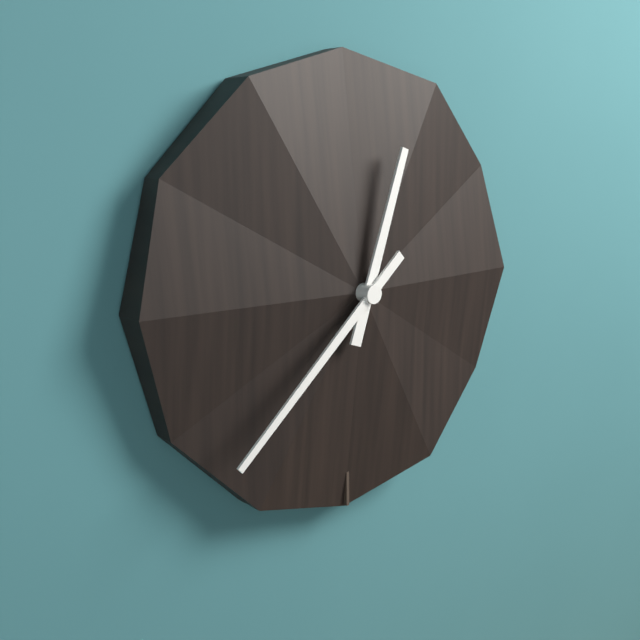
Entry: h=12 m=38
